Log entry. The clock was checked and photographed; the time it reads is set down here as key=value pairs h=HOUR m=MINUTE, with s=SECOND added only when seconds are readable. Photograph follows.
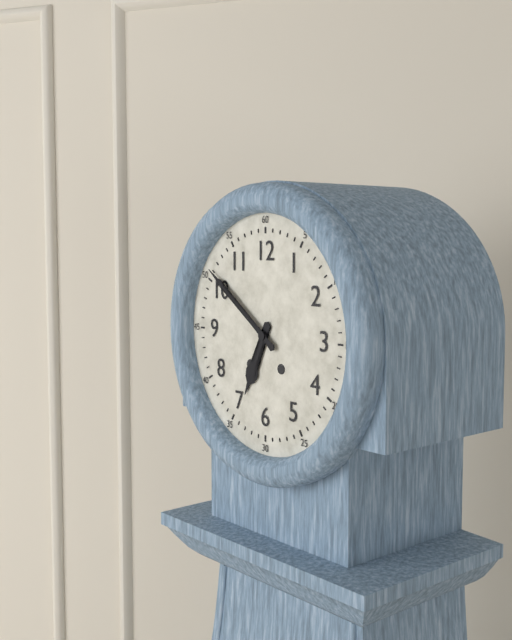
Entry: h=6 m=51
